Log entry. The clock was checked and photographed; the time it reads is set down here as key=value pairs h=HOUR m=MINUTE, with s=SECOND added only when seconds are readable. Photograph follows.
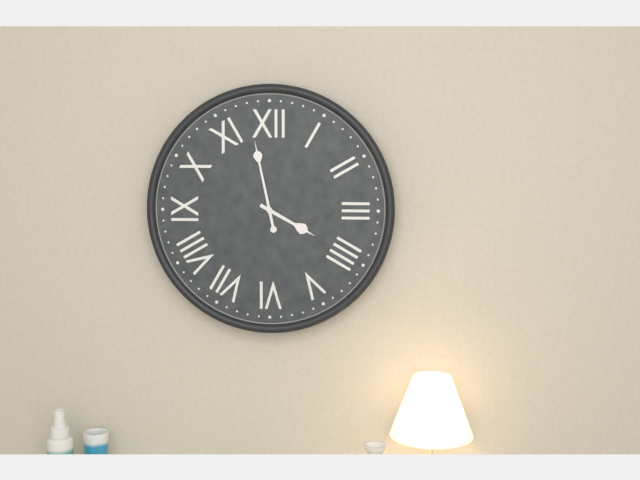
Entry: h=3 m=58
